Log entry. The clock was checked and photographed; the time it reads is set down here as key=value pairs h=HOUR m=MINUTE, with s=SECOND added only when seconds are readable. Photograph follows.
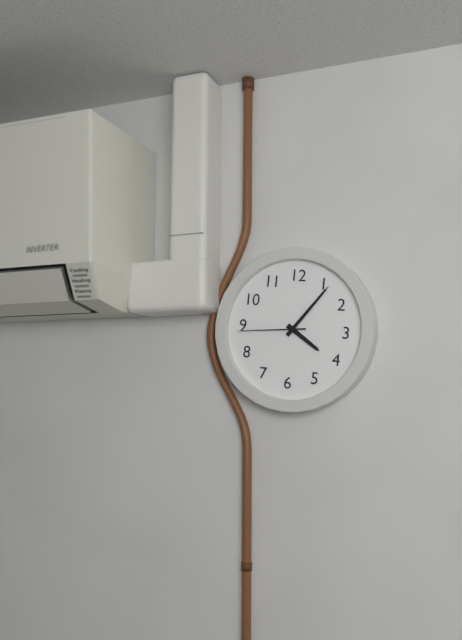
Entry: h=4 m=6 s=44
